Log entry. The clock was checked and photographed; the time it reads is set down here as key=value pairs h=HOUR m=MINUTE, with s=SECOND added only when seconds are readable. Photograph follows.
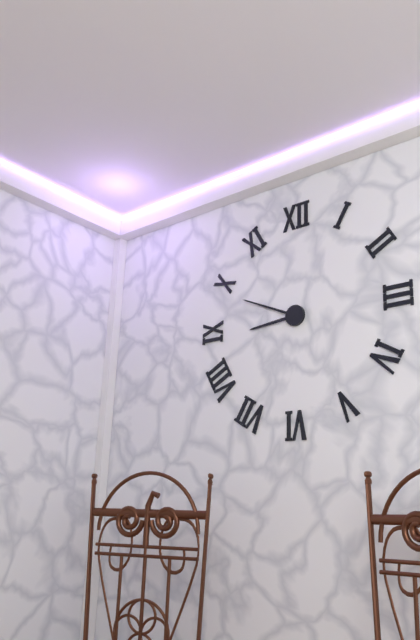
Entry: h=8 m=49
